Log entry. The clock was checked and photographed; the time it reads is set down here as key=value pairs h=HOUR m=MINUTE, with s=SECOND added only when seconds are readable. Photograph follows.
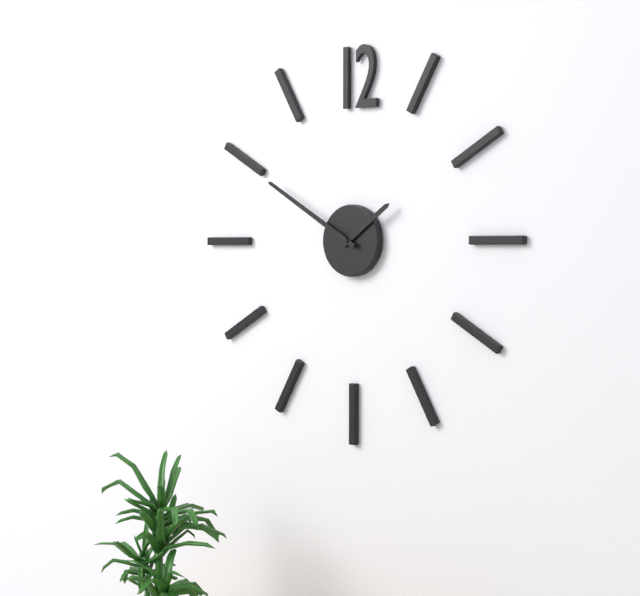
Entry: h=1 m=50
